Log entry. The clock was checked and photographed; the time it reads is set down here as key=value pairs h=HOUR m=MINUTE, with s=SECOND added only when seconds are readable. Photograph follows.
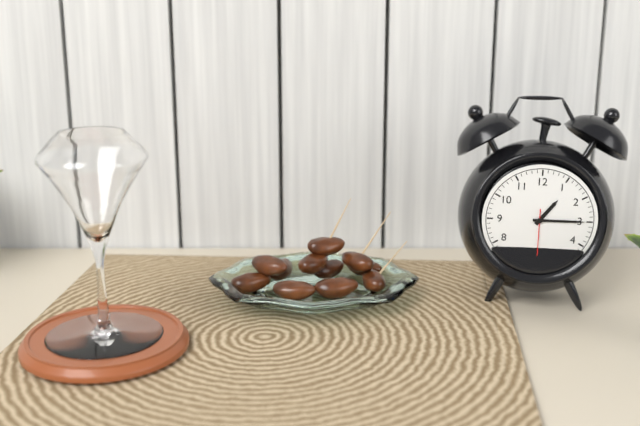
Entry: h=1 m=15 s=30
